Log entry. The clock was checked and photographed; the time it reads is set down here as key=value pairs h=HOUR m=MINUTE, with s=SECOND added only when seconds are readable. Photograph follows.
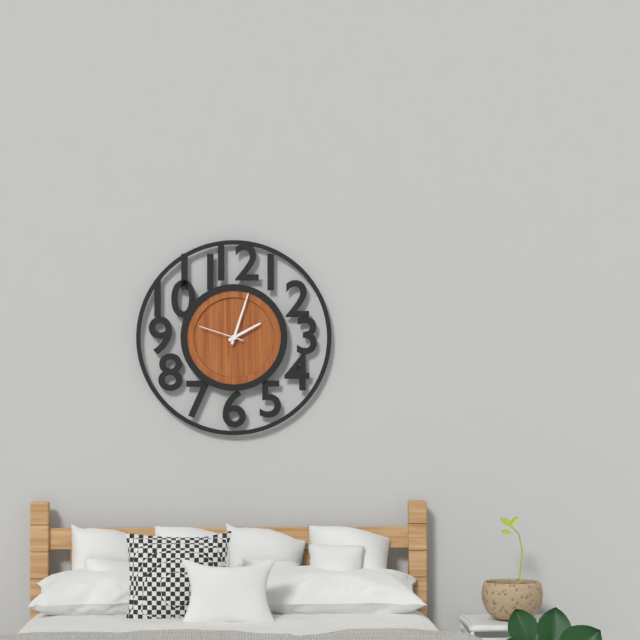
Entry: h=2 m=3
